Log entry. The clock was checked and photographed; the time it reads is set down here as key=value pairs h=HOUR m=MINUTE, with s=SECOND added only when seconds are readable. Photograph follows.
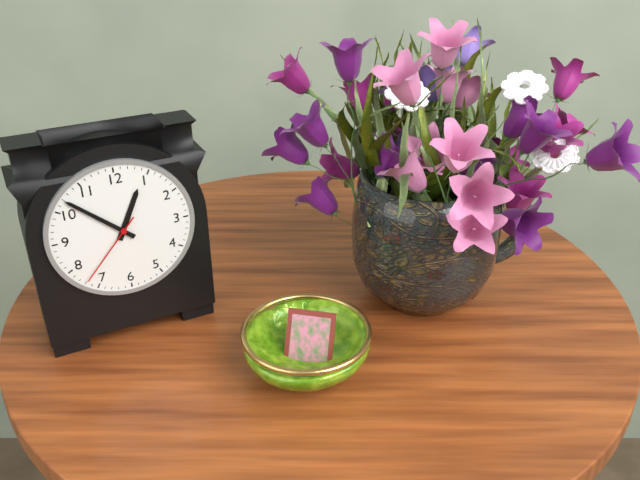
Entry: h=12 m=52 s=37
